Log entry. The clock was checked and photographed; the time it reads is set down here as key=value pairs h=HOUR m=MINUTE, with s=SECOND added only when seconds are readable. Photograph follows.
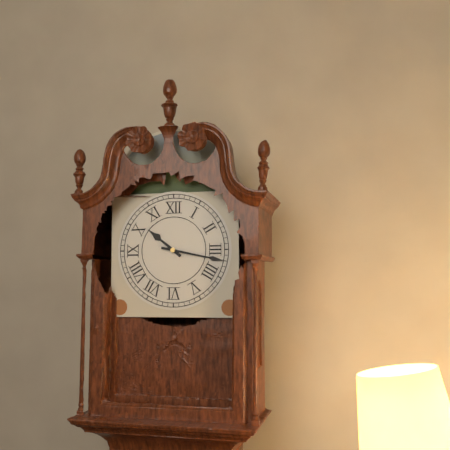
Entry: h=10 m=17
